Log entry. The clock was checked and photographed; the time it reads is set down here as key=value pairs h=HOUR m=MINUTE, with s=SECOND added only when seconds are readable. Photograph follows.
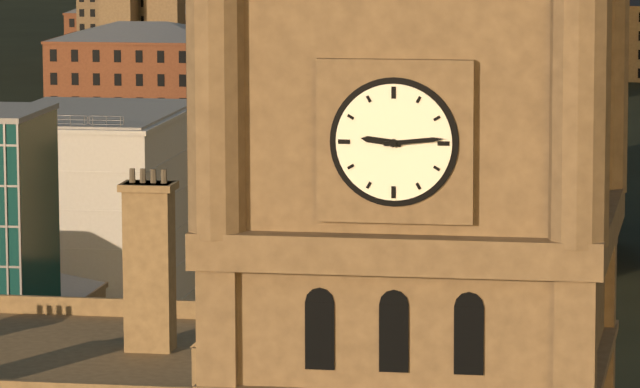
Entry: h=9 m=14
